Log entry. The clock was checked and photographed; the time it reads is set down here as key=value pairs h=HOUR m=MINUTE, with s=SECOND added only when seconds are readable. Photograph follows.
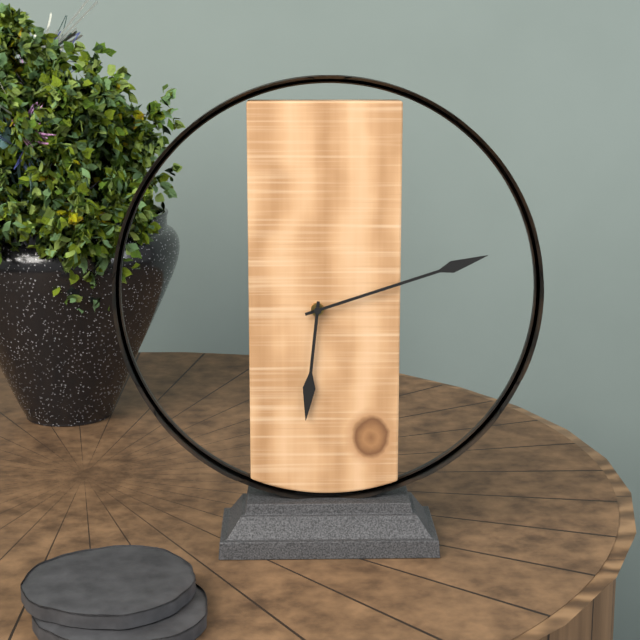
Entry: h=6 m=12
